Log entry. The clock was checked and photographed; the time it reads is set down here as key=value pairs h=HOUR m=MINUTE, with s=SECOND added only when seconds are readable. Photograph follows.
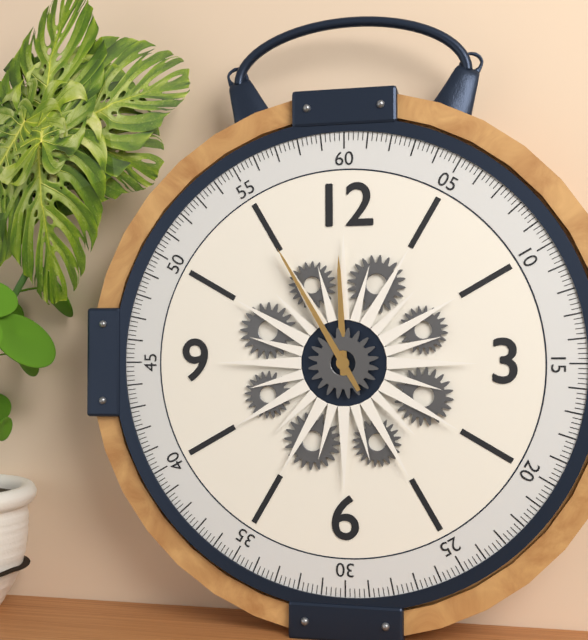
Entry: h=11 m=55
